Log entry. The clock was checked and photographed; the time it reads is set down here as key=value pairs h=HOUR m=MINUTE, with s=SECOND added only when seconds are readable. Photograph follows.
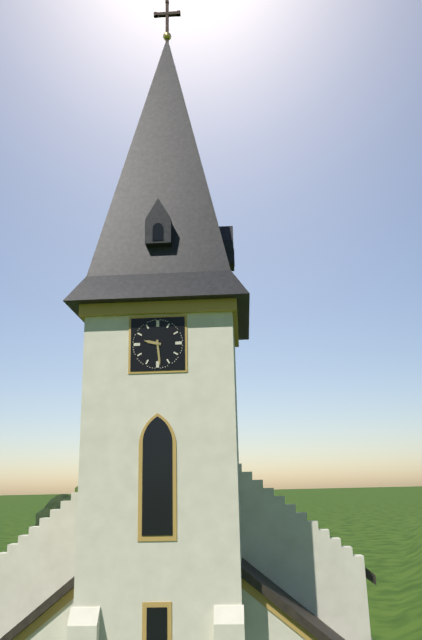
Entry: h=9 m=29
